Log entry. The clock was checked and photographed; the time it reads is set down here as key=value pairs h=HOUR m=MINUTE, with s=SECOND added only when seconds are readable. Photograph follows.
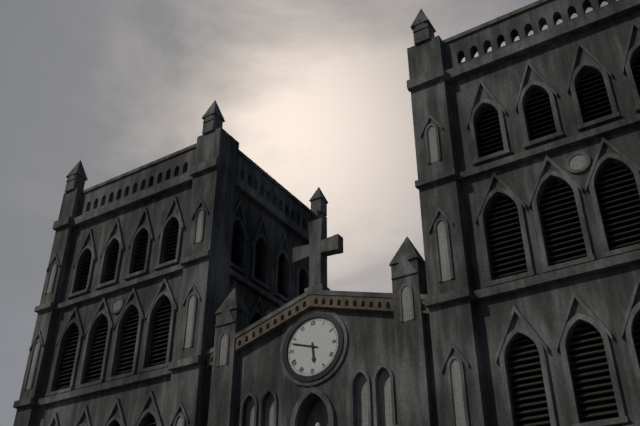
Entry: h=5 m=48
